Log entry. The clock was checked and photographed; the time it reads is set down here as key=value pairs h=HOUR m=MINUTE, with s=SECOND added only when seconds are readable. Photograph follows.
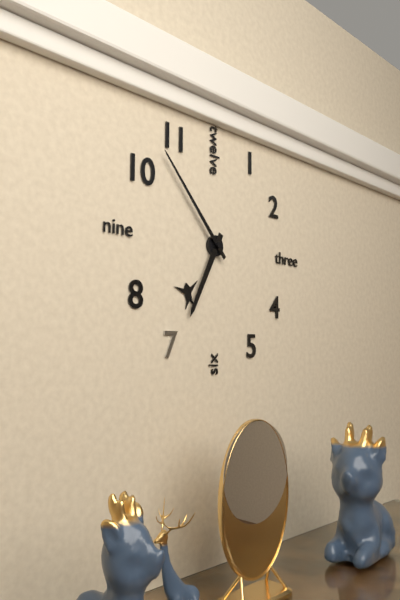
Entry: h=6 m=53
